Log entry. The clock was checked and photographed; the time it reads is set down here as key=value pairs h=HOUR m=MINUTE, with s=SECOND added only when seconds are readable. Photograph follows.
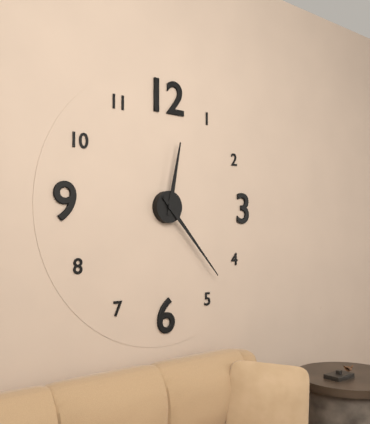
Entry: h=12 m=23
